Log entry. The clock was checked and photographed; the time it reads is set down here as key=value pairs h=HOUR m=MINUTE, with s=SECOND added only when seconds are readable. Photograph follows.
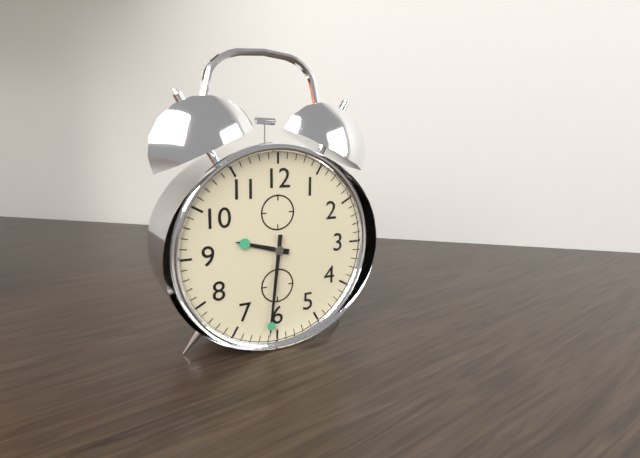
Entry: h=9 m=31
